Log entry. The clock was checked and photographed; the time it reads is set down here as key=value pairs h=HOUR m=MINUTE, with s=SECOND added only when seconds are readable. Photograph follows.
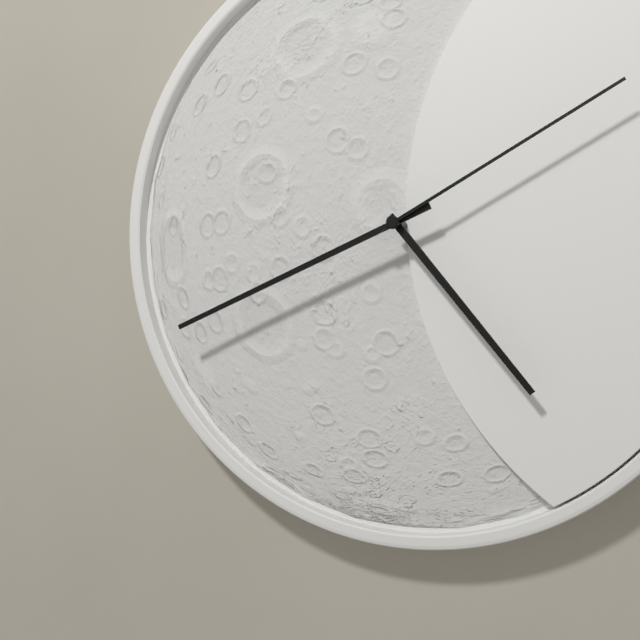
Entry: h=4 m=41 s=10
